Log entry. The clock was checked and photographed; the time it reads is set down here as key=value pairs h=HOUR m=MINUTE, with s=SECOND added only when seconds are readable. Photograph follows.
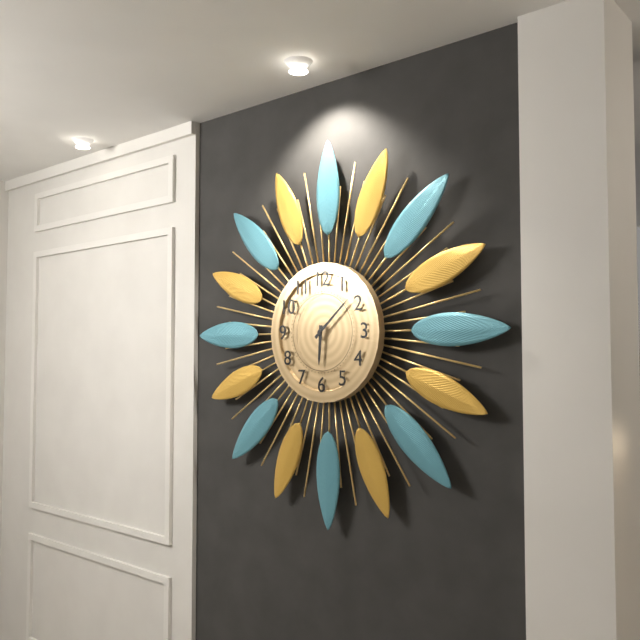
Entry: h=6 m=8
